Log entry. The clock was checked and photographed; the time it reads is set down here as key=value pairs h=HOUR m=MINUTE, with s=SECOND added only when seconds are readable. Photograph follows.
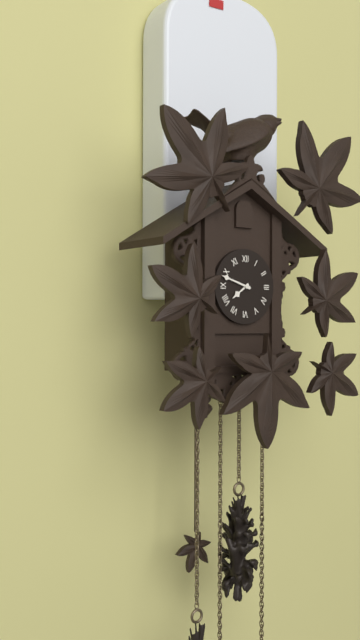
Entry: h=7 m=48
